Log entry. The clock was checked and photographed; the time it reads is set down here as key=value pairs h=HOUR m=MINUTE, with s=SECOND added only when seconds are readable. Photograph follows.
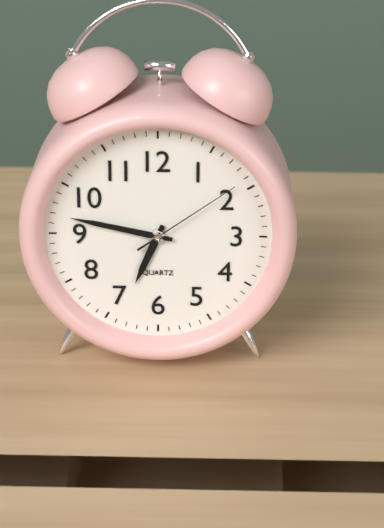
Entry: h=6 m=47 s=9
